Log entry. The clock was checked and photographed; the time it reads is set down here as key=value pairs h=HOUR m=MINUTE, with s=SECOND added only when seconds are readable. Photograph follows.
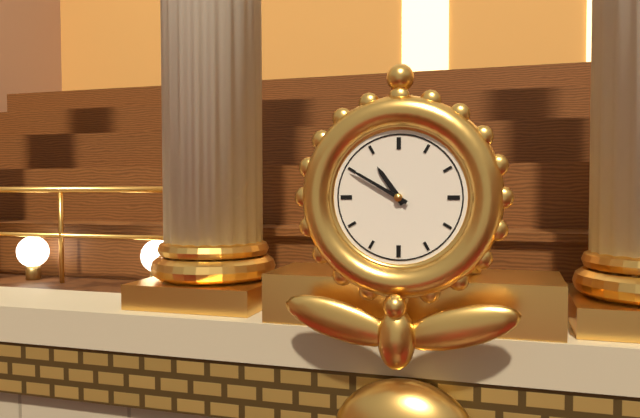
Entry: h=10 m=50
